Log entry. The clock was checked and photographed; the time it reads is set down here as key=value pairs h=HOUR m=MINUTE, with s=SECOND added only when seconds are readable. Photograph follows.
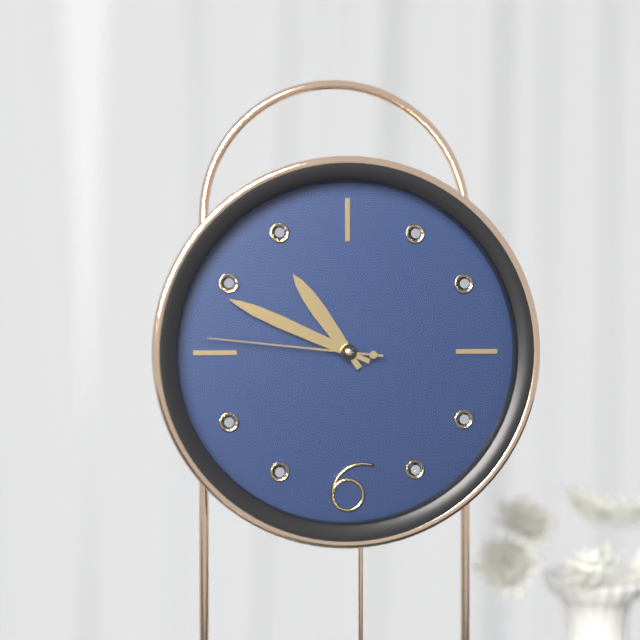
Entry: h=10 m=49 s=46
